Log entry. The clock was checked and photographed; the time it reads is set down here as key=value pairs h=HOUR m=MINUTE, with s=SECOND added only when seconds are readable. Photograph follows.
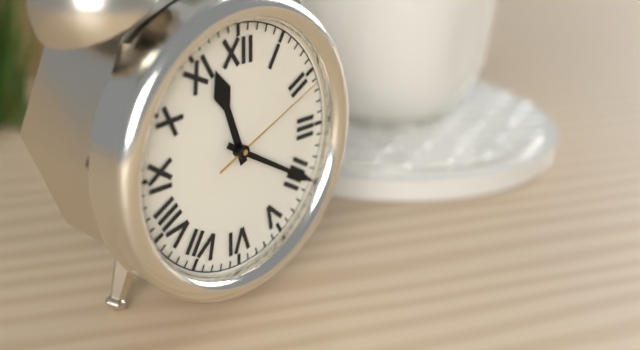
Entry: h=11 m=20 s=11
